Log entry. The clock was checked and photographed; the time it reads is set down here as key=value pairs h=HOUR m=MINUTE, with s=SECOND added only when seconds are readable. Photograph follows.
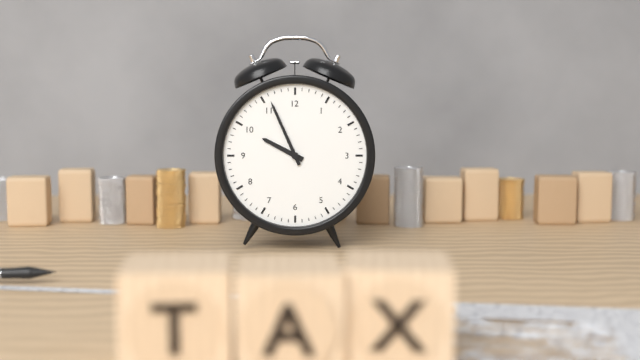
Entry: h=9 m=56
